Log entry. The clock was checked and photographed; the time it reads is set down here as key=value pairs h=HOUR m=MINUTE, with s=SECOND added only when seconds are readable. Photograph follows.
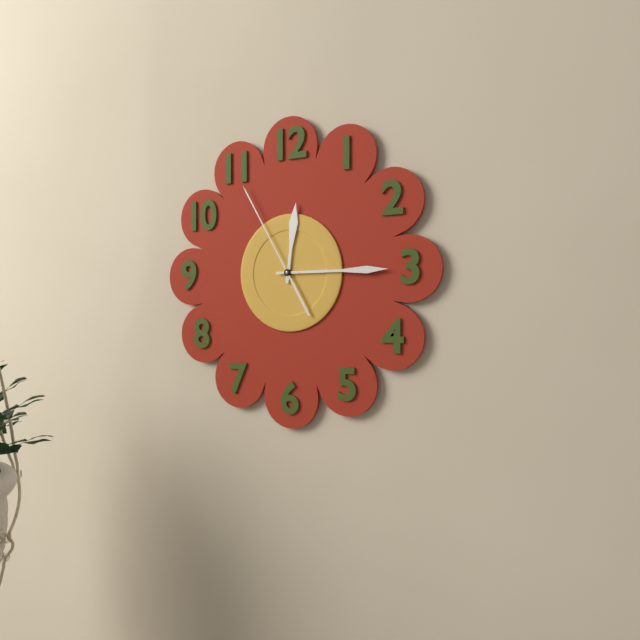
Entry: h=12 m=15 s=55
